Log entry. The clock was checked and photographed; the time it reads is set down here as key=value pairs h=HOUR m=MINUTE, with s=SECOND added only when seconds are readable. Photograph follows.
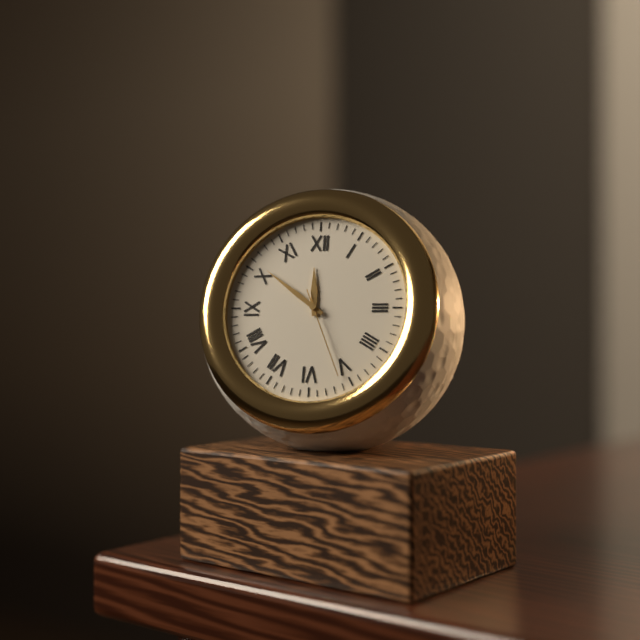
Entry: h=11 m=51 s=26
